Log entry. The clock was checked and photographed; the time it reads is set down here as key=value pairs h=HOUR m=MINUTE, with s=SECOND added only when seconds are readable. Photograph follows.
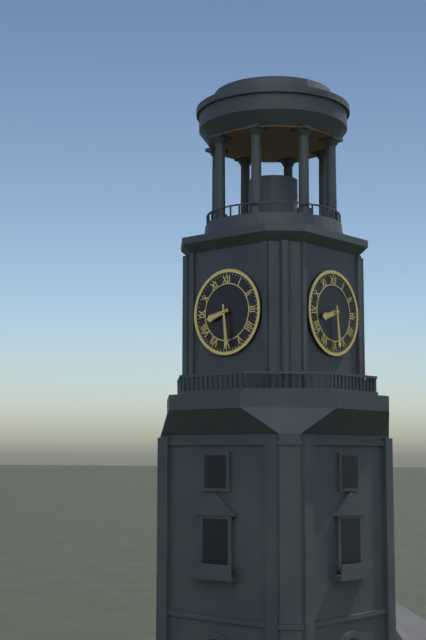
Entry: h=8 m=29
